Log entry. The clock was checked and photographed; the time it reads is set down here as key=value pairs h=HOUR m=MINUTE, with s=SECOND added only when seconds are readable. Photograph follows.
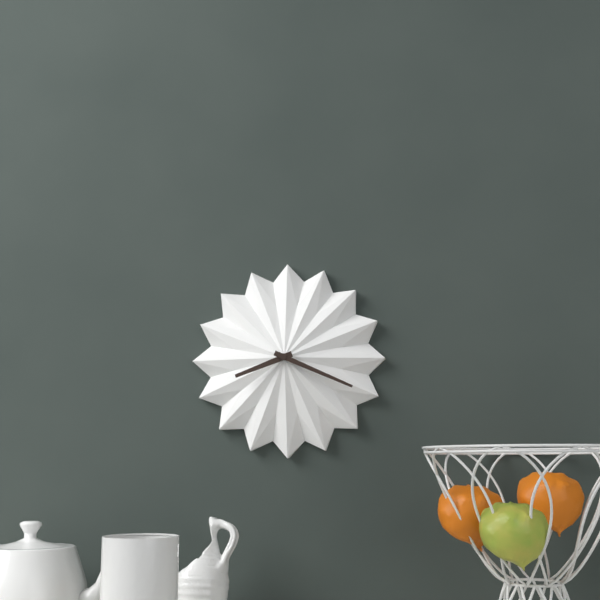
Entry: h=8 m=19
